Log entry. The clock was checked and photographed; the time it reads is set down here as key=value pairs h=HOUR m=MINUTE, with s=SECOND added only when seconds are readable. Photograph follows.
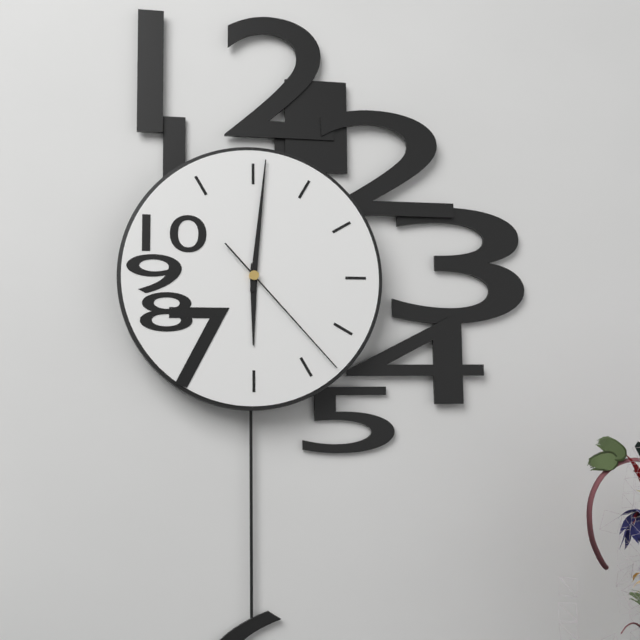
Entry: h=6 m=1 s=23
